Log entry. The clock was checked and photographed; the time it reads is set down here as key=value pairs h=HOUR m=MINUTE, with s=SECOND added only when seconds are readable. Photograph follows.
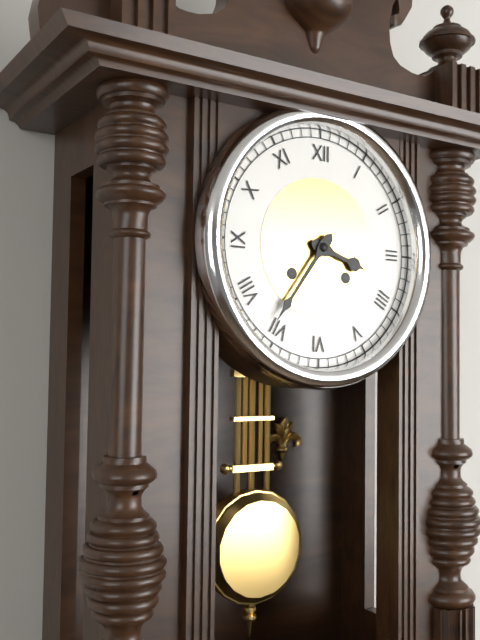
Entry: h=3 m=36
